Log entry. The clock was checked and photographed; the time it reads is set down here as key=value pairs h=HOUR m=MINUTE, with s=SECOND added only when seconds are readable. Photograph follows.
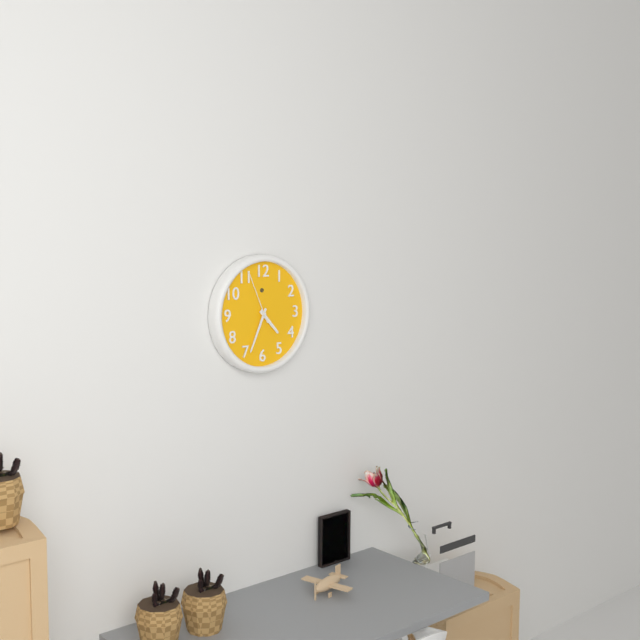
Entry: h=4 m=34 s=56
